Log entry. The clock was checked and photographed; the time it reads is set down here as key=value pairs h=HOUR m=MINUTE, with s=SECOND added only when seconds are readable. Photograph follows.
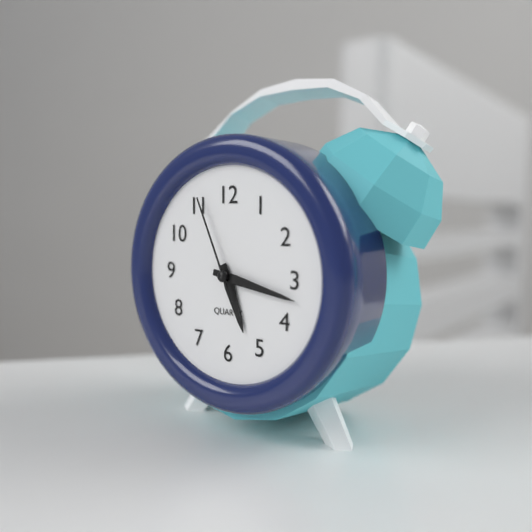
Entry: h=5 m=17 s=56
